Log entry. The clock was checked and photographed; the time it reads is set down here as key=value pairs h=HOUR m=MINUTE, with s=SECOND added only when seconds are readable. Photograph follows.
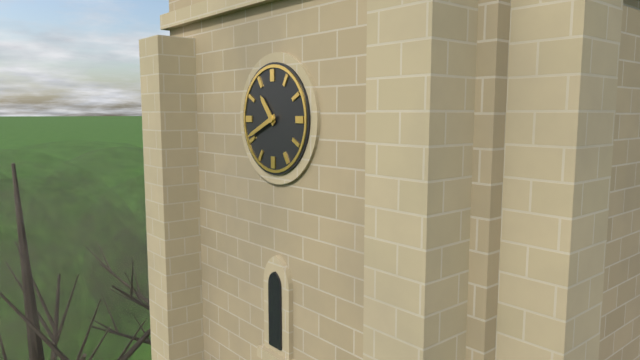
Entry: h=10 m=41
